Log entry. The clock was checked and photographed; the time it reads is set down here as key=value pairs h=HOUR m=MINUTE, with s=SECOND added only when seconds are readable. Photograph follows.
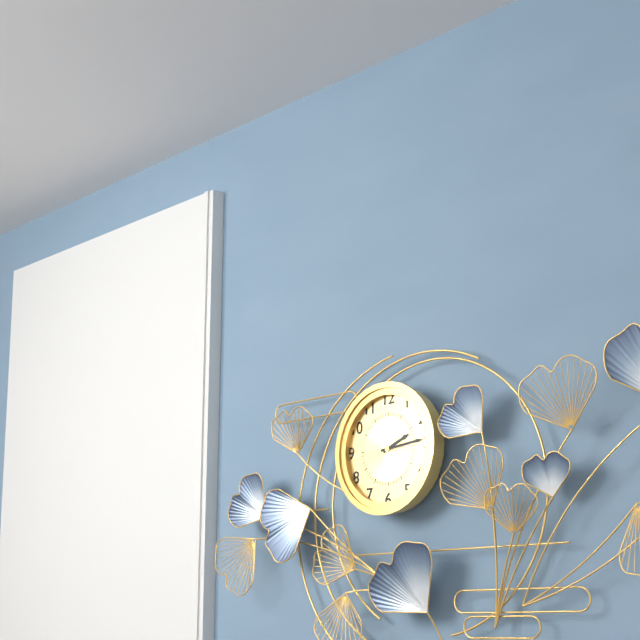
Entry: h=2 m=14
